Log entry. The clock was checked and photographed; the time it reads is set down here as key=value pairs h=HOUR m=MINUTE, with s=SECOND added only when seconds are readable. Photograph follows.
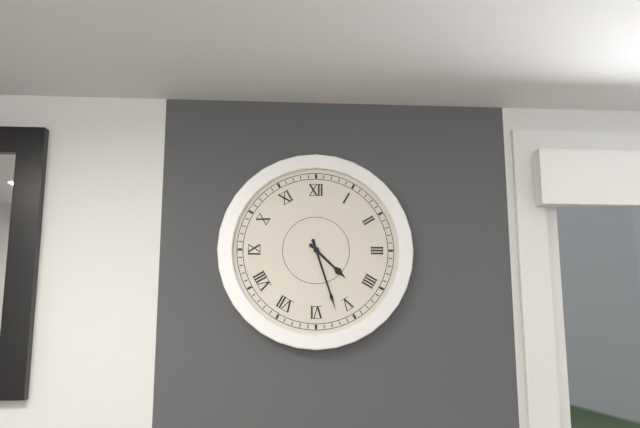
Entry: h=4 m=27
